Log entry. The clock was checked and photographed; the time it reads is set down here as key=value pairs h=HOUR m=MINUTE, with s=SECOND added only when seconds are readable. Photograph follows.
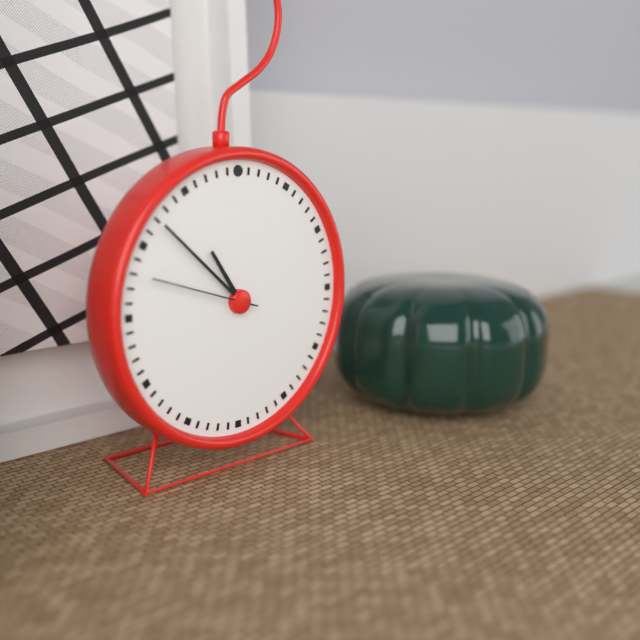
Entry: h=10 m=52 s=48
